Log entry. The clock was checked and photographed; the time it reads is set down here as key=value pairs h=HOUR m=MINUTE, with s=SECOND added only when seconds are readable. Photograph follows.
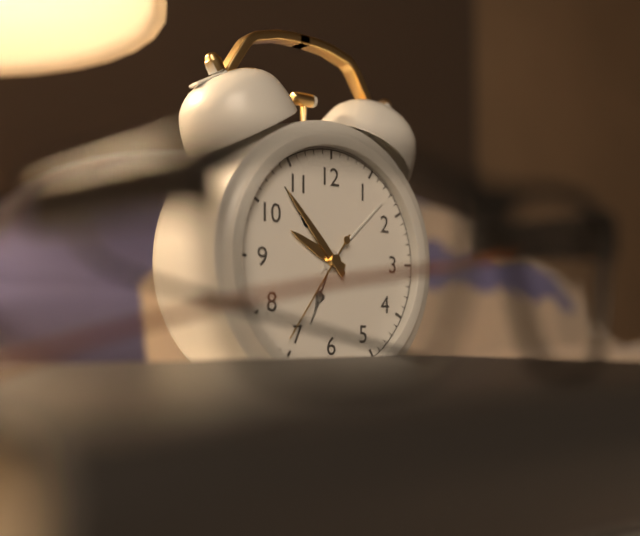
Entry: h=9 m=53 s=36
